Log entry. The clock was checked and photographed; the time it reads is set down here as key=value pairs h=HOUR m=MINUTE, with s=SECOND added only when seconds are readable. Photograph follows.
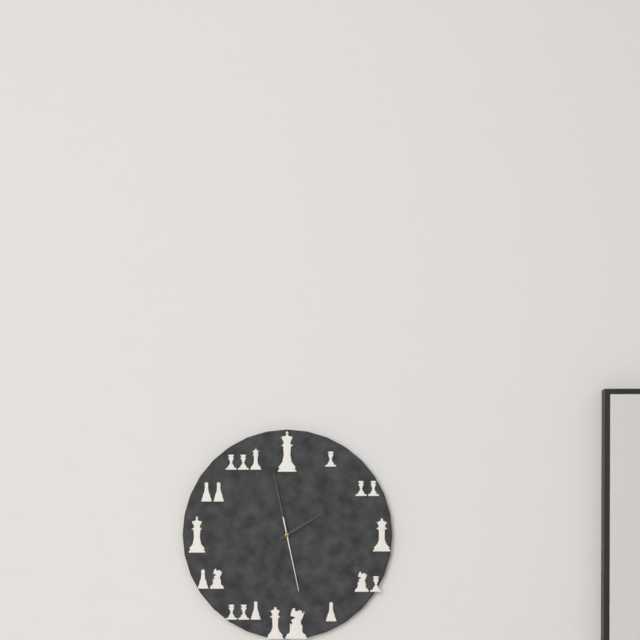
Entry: h=1 m=58 s=28
